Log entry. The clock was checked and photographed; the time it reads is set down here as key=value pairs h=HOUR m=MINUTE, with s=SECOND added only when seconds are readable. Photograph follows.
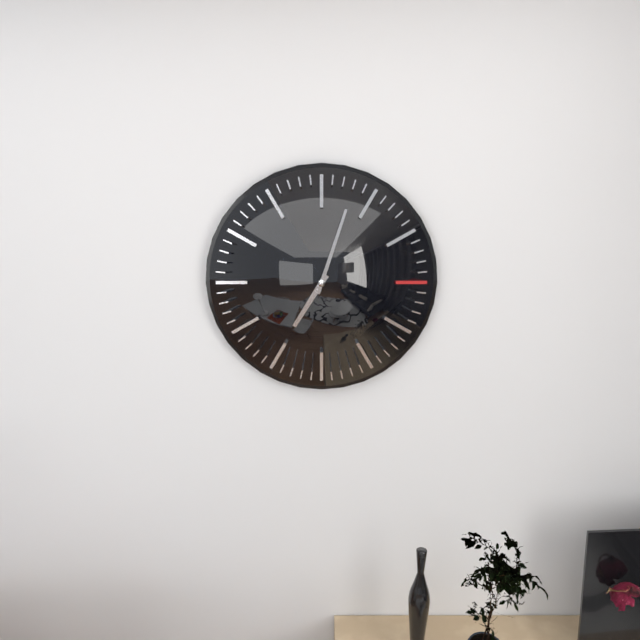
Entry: h=7 m=3
